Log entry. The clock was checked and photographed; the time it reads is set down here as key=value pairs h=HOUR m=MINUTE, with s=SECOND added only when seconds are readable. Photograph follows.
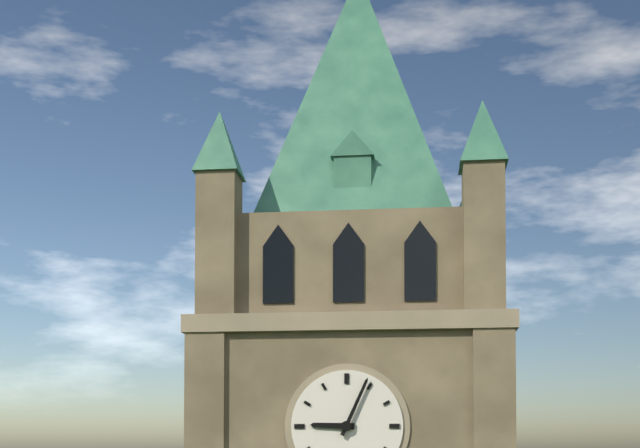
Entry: h=9 m=4
